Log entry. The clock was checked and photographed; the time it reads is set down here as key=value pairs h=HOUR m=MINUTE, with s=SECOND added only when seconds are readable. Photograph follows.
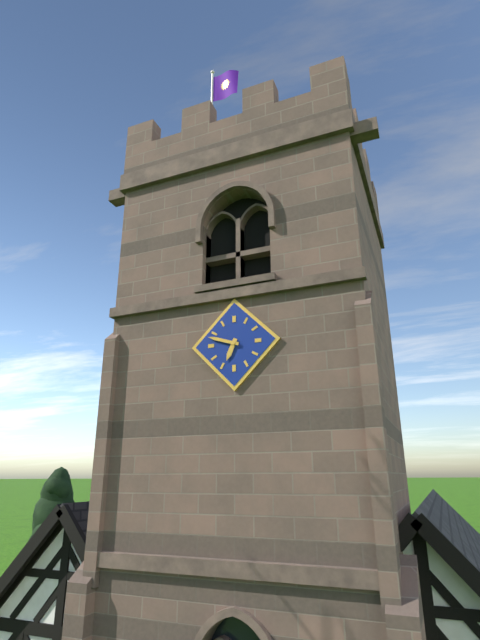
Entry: h=6 m=48
